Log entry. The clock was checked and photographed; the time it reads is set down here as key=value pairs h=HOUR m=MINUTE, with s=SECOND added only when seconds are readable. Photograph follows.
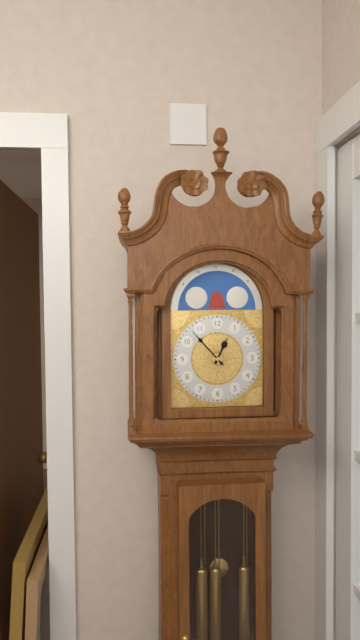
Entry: h=12 m=53
